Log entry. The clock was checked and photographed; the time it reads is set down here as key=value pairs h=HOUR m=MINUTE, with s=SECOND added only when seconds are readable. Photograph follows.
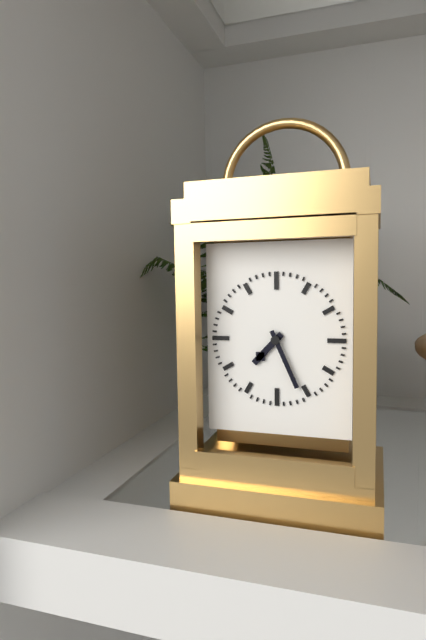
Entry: h=7 m=26
